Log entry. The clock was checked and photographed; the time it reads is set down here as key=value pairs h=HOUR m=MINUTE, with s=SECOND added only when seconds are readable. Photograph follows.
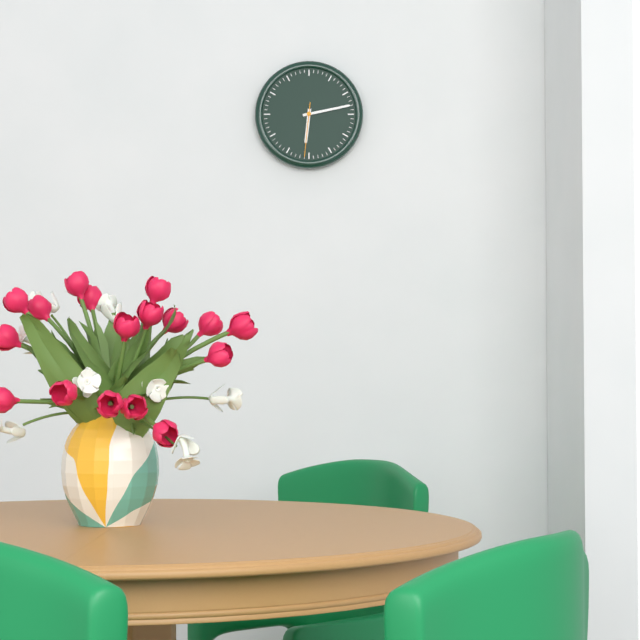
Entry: h=6 m=13 s=31
